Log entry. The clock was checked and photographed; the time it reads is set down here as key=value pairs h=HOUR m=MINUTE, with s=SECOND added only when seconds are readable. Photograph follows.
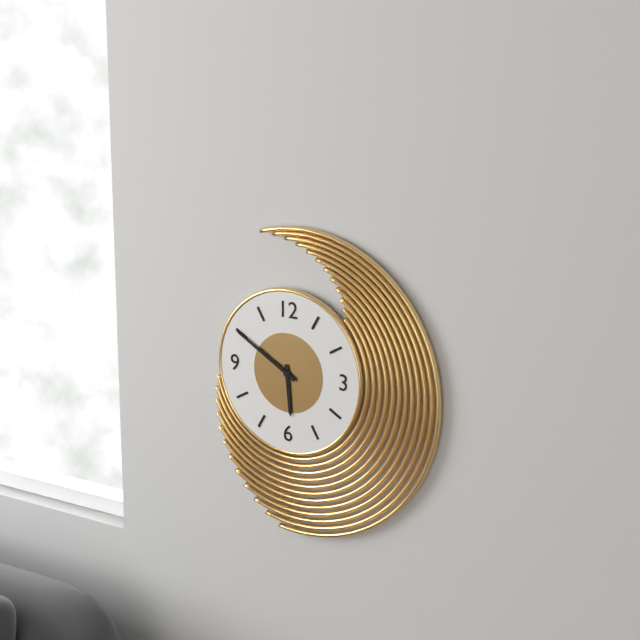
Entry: h=5 m=50
